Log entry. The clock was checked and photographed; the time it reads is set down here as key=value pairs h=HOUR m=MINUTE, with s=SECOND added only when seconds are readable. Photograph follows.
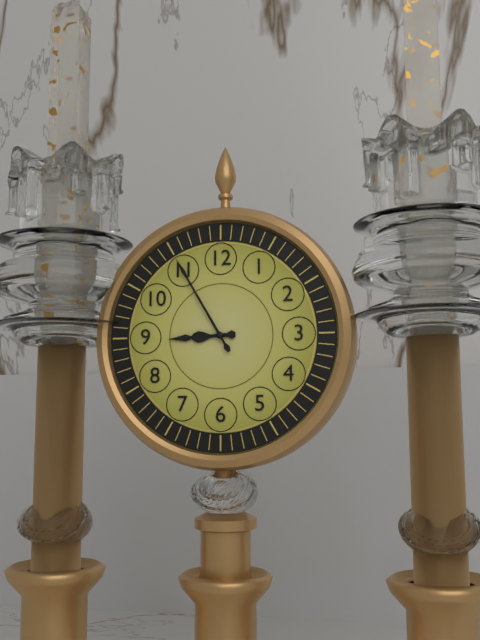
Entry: h=8 m=55
